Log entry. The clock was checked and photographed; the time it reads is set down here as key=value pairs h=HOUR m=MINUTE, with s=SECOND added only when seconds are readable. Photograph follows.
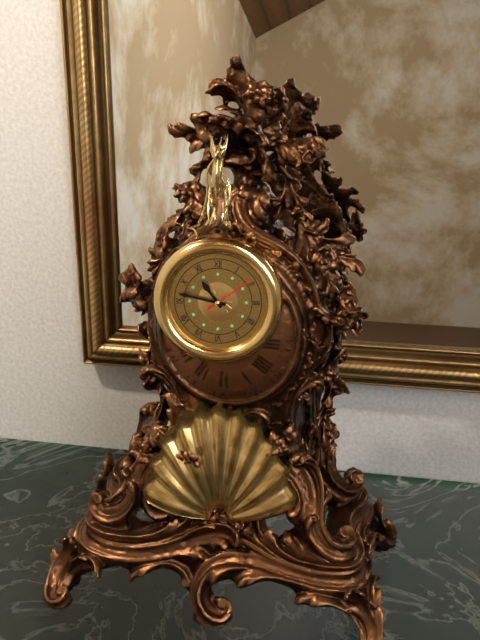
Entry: h=10 m=47 s=9
